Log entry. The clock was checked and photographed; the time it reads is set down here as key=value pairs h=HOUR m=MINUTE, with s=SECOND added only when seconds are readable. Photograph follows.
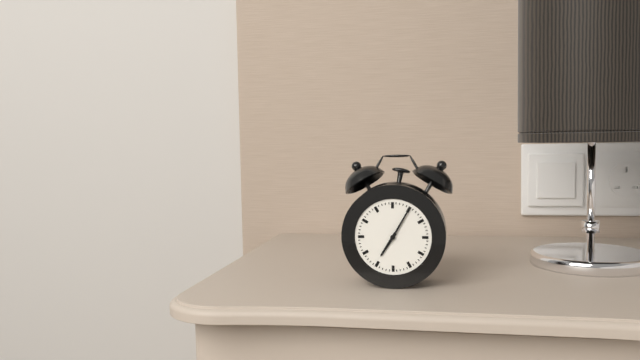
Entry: h=7 m=5
